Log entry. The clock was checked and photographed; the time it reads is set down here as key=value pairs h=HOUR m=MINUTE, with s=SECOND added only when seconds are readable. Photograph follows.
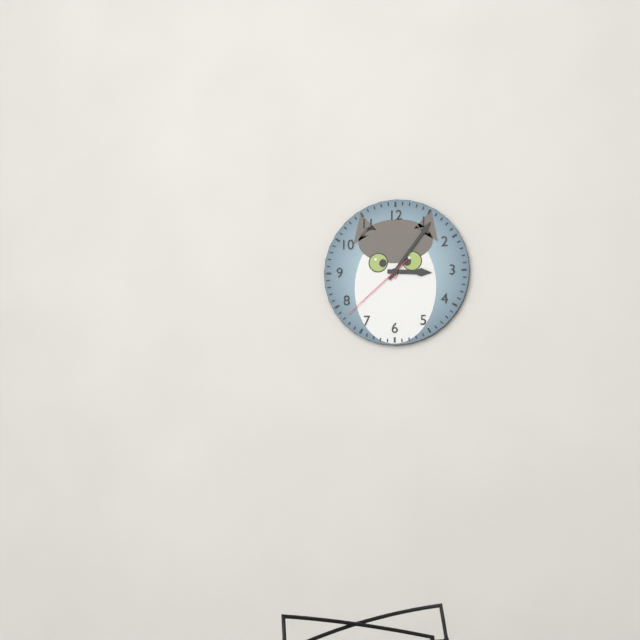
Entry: h=3 m=6 s=38
